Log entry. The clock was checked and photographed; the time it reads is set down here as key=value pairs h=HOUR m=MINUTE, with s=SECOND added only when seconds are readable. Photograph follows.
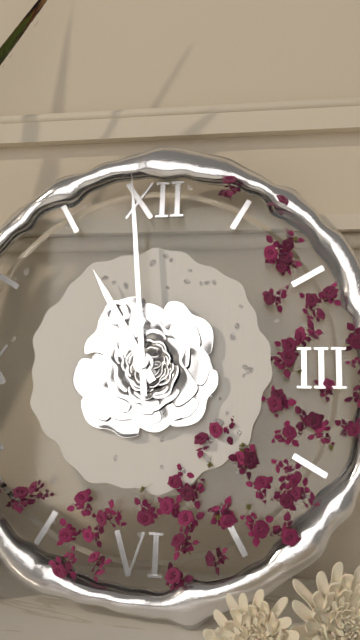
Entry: h=10 m=59
